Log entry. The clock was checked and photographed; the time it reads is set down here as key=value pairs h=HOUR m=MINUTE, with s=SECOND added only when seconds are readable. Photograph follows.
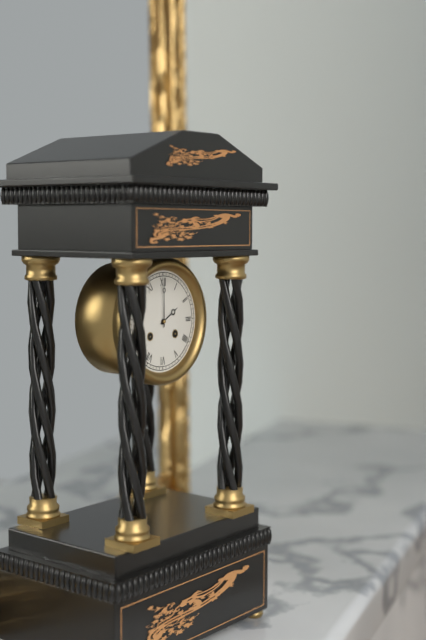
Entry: h=2 m=0
